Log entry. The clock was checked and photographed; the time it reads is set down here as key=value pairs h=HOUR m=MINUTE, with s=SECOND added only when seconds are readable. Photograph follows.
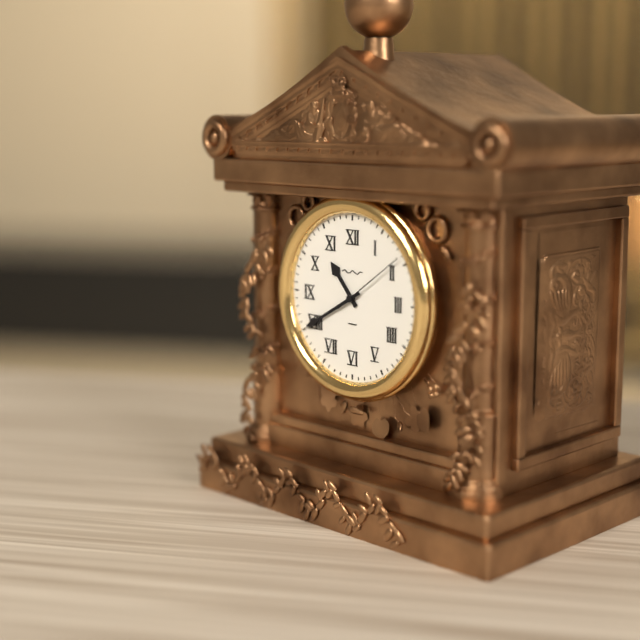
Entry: h=10 m=40 s=9
